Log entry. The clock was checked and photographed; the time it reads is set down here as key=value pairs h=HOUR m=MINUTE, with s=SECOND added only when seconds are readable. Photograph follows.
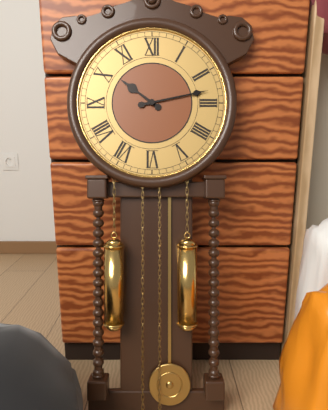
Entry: h=10 m=13
